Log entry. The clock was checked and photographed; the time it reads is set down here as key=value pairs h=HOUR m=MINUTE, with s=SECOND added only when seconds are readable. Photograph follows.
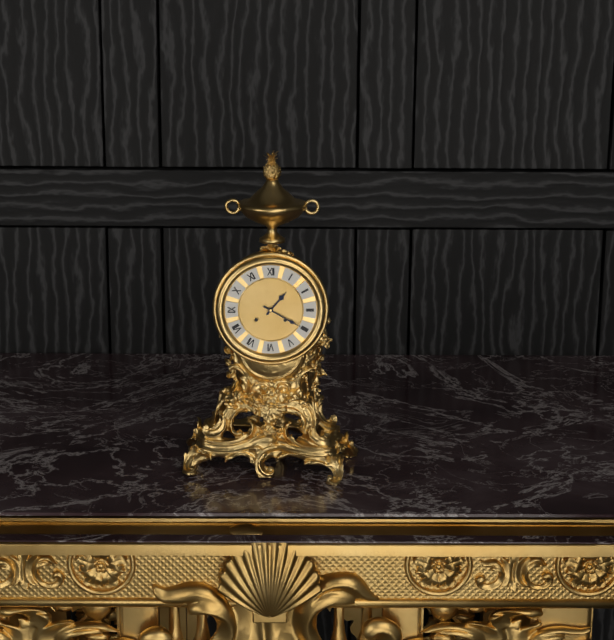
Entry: h=1 m=20
